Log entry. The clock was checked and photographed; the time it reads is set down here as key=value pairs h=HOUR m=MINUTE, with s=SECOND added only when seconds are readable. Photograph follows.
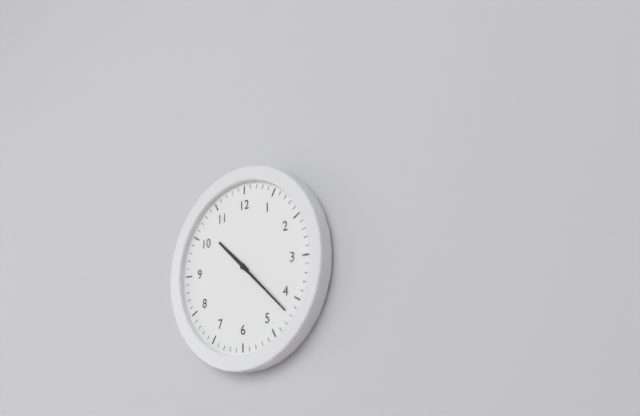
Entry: h=10 m=22
